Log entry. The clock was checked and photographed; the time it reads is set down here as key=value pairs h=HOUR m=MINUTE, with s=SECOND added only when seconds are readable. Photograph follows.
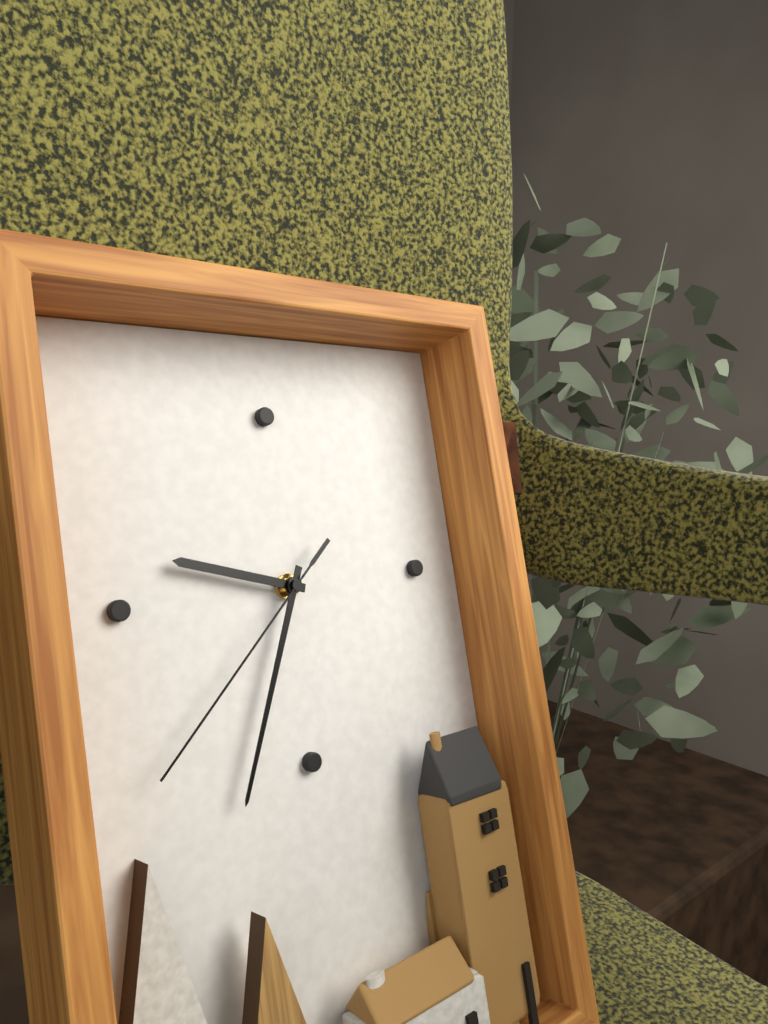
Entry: h=9 m=34 s=38
